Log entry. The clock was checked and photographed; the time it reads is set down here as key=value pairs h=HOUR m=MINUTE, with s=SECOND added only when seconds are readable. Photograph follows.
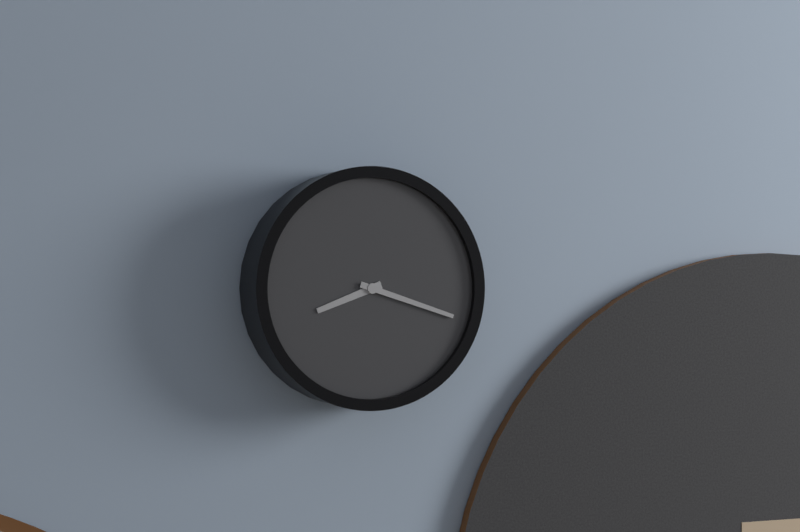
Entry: h=8 m=18
